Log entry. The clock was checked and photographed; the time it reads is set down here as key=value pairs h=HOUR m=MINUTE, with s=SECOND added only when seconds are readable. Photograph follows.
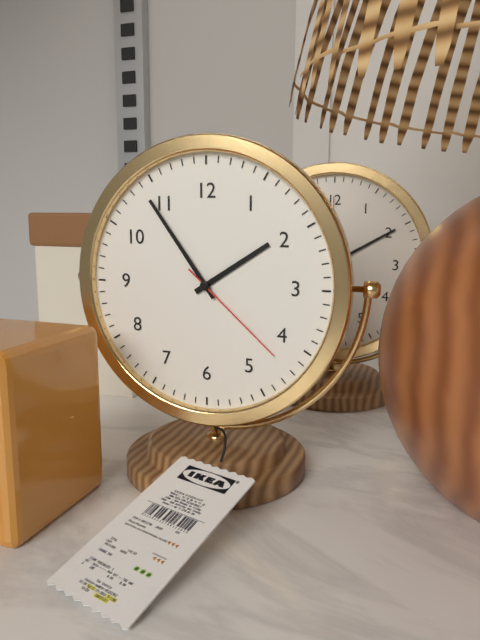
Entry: h=1 m=54 s=22
